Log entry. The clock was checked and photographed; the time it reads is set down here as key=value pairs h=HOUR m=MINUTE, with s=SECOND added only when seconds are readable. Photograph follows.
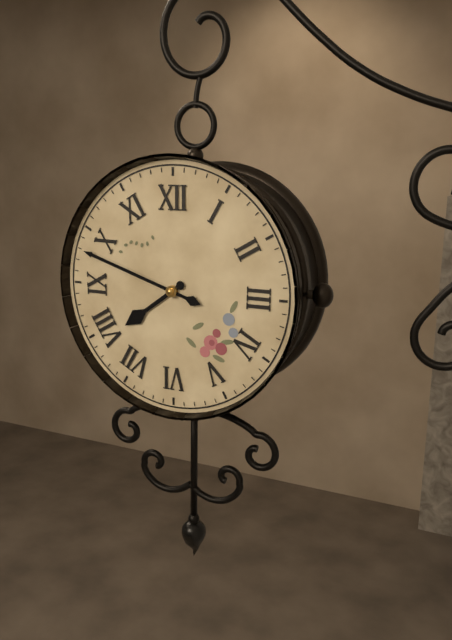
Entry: h=7 m=48
